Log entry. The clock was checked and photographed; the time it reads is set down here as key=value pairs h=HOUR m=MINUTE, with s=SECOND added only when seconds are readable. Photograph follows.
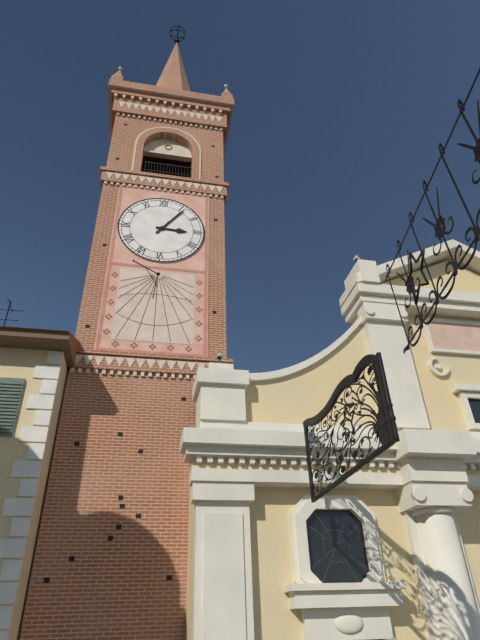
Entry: h=3 m=6
